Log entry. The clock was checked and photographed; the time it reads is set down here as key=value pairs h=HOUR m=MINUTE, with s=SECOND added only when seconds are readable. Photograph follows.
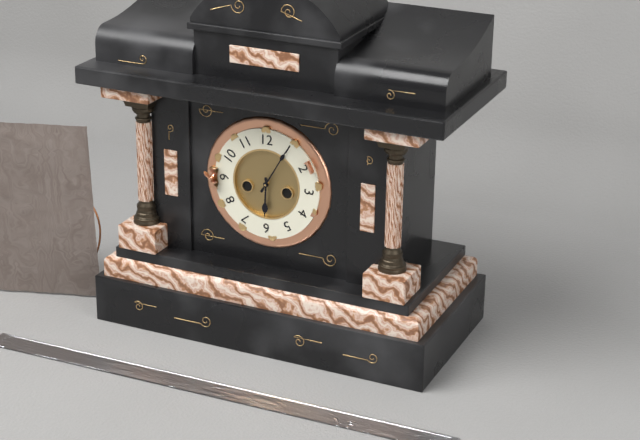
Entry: h=6 m=5
